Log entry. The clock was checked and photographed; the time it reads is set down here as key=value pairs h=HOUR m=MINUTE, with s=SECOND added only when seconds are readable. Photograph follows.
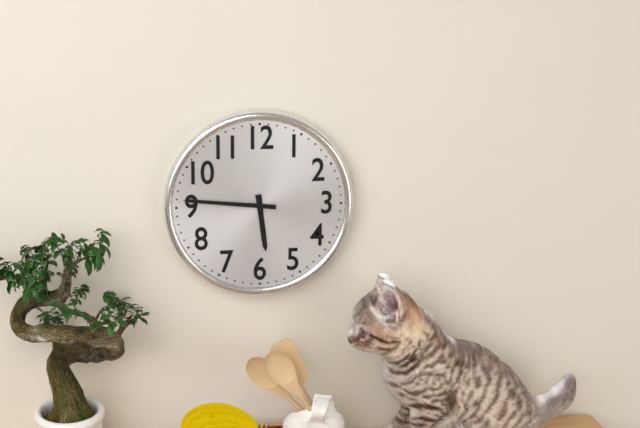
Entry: h=5 m=46
